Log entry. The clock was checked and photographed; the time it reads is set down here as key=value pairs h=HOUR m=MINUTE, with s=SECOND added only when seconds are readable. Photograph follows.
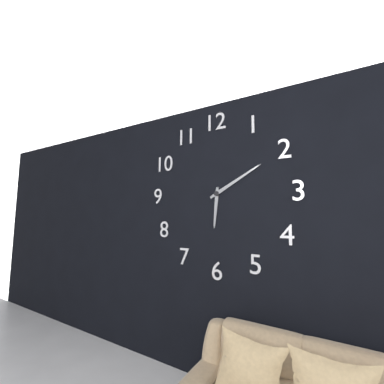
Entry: h=6 m=10
